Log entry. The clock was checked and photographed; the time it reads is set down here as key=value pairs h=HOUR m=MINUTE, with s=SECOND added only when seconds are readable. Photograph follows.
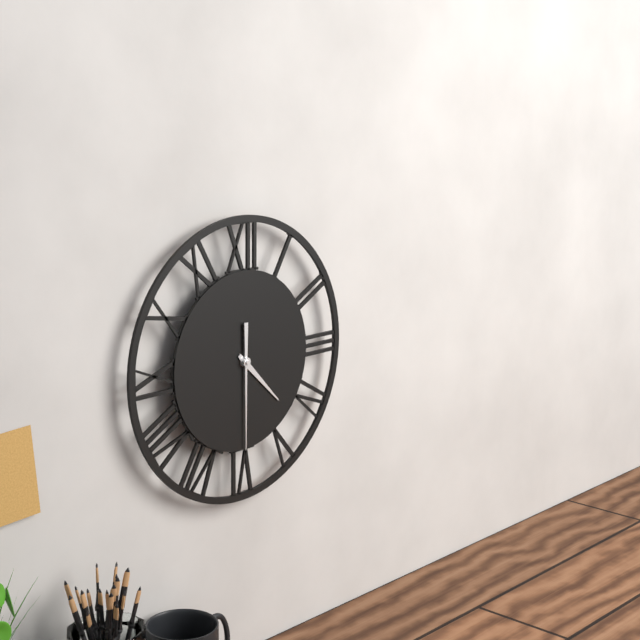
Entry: h=4 m=30
